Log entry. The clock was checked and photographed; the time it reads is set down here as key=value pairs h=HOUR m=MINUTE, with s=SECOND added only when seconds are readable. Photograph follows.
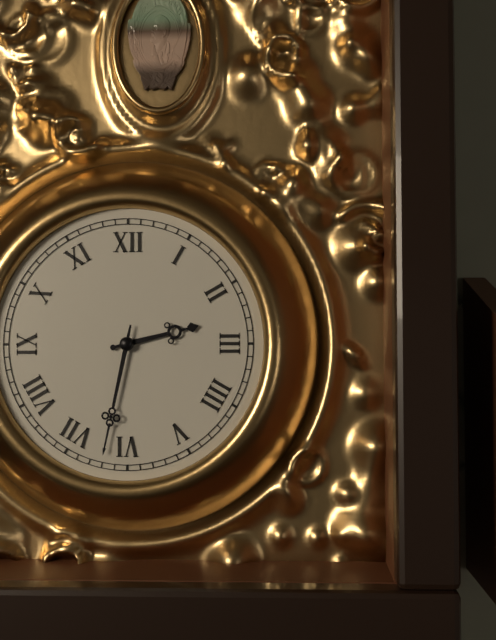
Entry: h=2 m=32
